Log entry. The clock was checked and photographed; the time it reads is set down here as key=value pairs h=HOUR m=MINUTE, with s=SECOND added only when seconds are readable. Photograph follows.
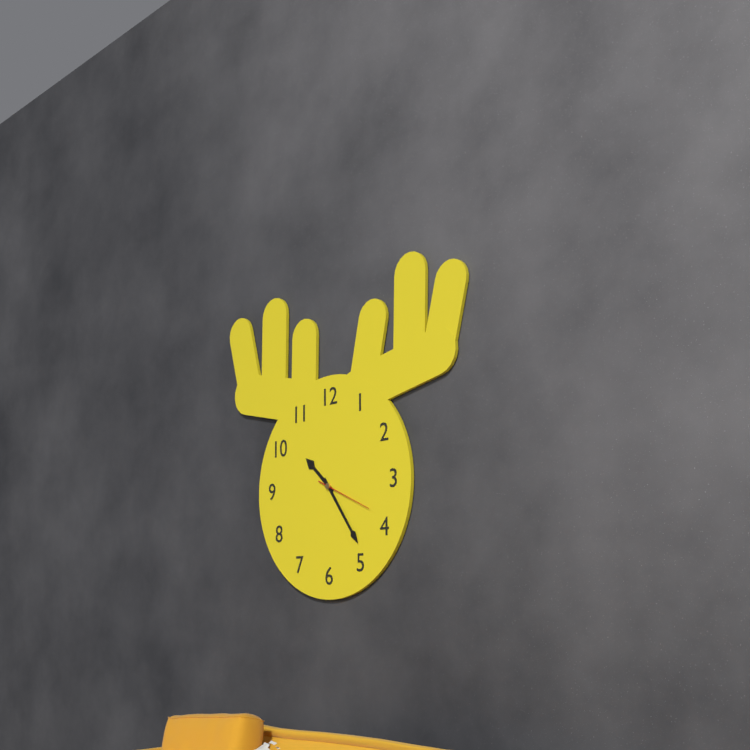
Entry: h=10 m=24 s=19
